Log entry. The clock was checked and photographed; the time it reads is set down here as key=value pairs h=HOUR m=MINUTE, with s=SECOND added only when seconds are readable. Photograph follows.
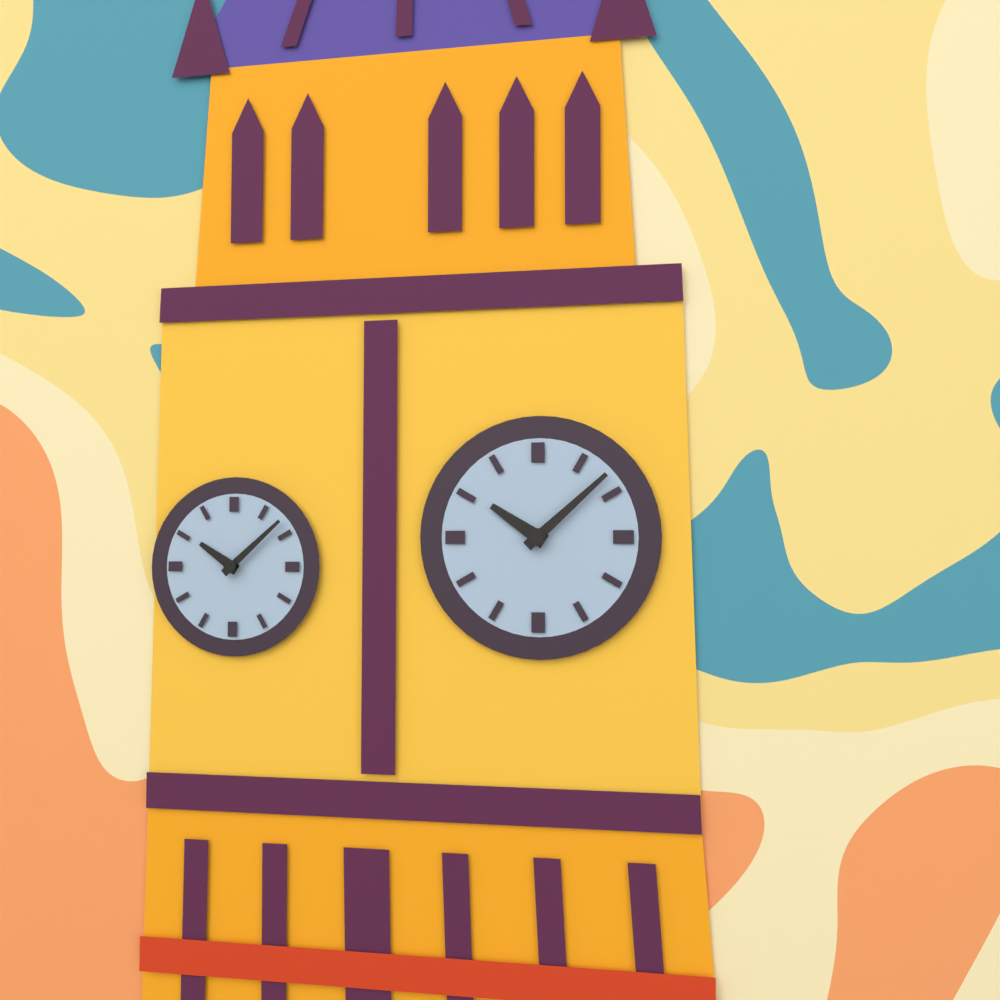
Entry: h=10 m=8
